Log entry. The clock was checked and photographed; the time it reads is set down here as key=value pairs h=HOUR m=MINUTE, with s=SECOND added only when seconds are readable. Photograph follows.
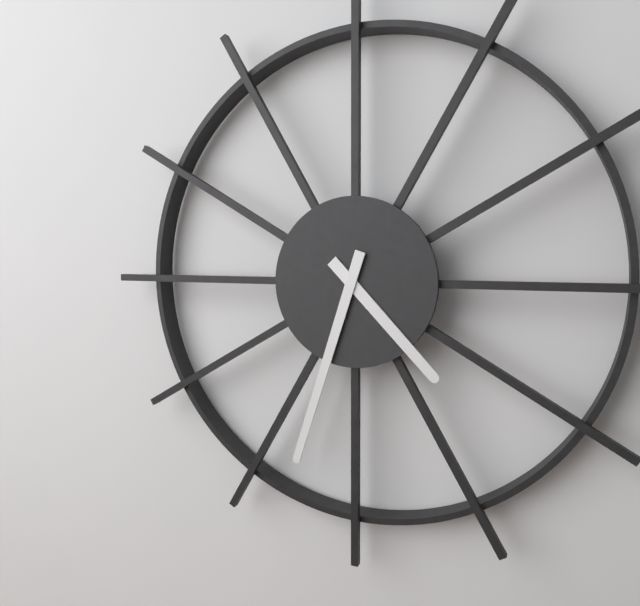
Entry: h=4 m=33
